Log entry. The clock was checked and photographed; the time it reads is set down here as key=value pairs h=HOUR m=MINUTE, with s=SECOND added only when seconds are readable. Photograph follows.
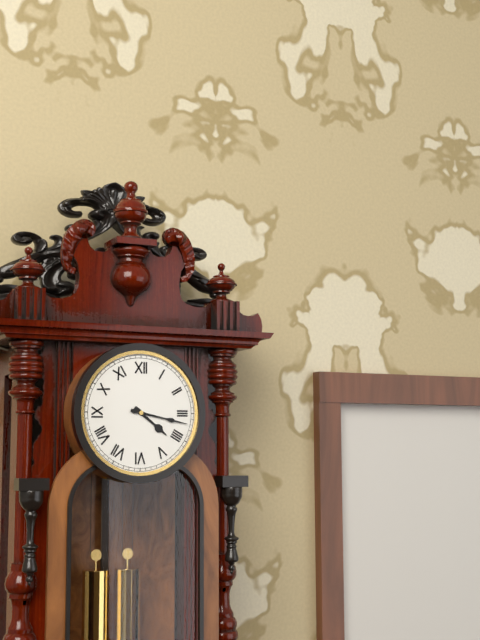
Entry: h=4 m=17
